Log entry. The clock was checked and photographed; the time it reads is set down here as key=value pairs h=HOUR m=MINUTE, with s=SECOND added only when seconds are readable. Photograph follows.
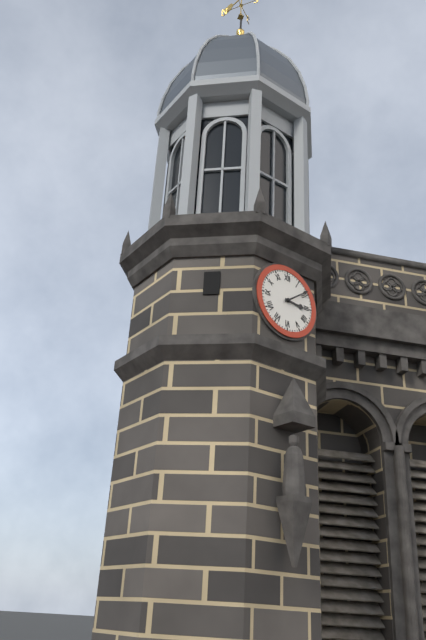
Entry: h=3 m=9
